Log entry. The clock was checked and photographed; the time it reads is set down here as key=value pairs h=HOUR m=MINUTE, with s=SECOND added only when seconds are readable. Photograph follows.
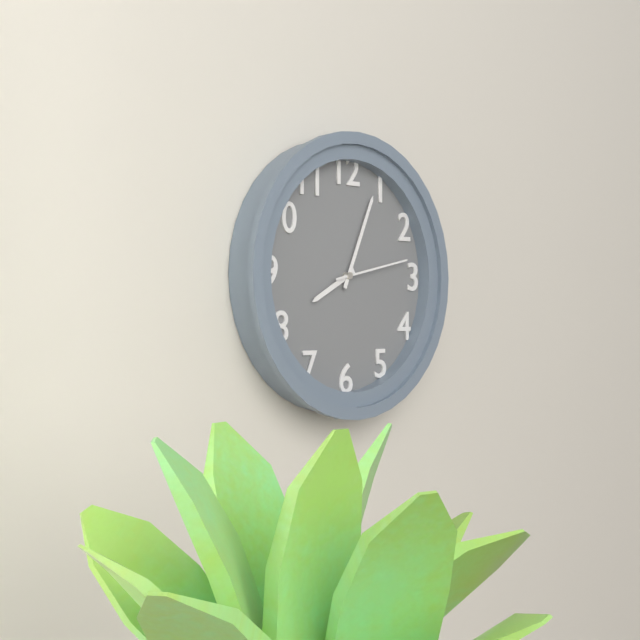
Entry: h=8 m=4 s=13
